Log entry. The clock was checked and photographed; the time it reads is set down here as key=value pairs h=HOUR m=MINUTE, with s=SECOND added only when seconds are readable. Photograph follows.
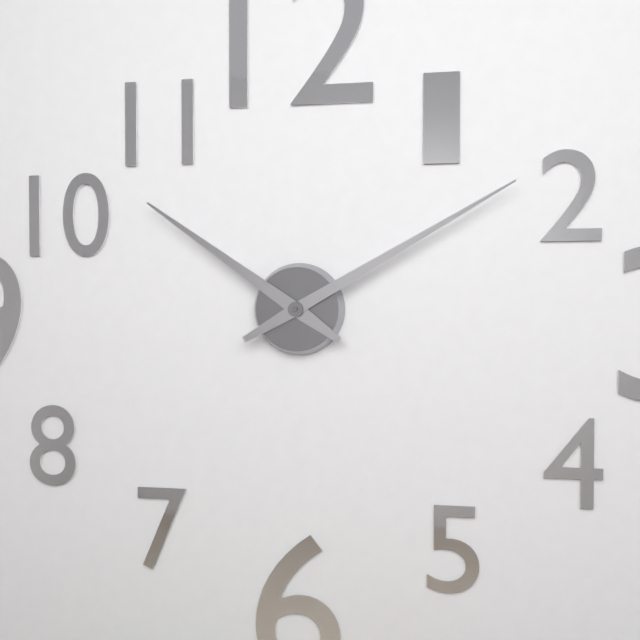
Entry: h=10 m=10
